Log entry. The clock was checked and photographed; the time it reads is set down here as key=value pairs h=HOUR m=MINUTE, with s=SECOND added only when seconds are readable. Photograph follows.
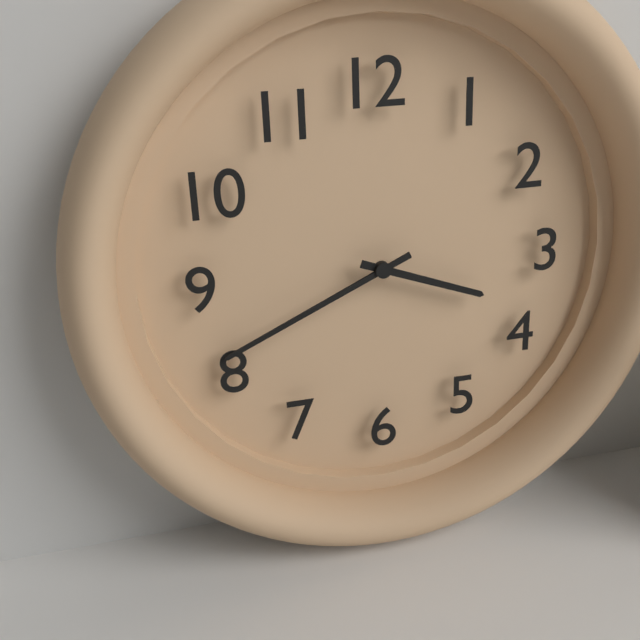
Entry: h=3 m=41
